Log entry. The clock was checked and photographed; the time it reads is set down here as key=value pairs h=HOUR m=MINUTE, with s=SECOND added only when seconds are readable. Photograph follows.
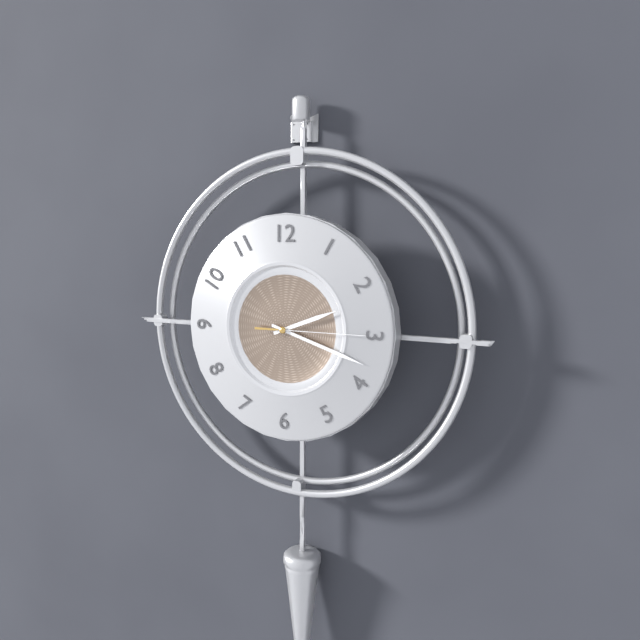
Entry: h=2 m=18 s=15
